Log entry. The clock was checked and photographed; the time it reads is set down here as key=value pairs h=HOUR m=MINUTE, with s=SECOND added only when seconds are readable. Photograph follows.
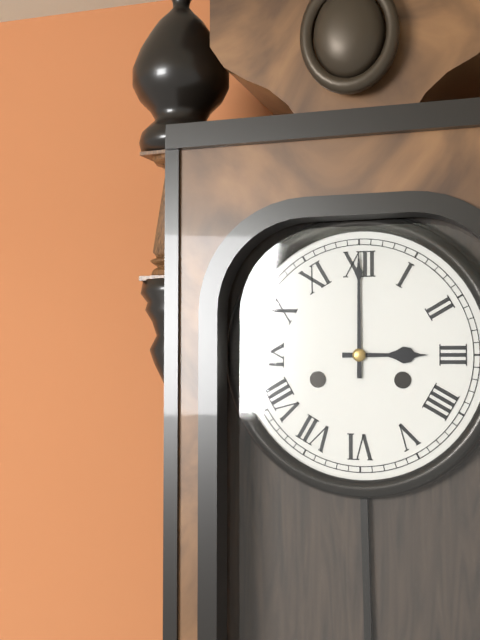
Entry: h=3 m=0
